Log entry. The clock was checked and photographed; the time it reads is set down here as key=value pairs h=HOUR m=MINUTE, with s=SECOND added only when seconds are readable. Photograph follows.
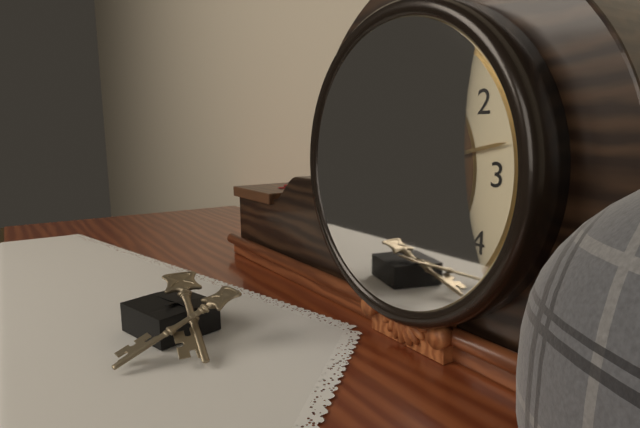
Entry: h=3 m=13
